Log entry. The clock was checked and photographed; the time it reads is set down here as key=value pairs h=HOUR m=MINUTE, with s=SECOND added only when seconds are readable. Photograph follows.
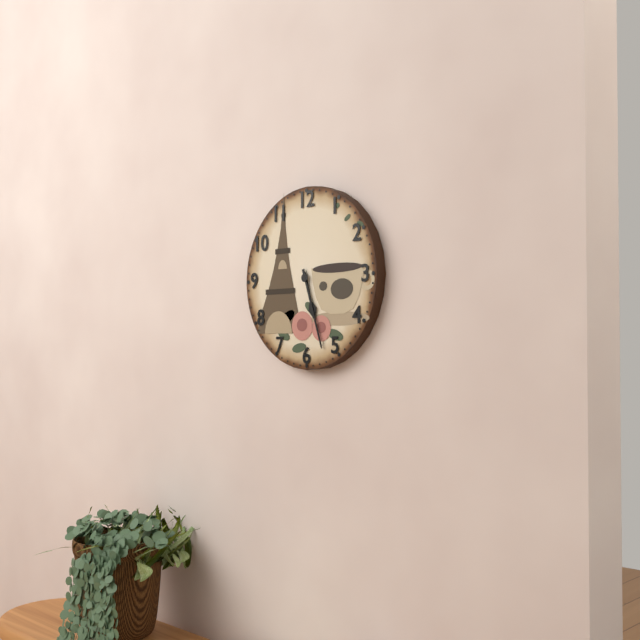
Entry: h=5 m=27
